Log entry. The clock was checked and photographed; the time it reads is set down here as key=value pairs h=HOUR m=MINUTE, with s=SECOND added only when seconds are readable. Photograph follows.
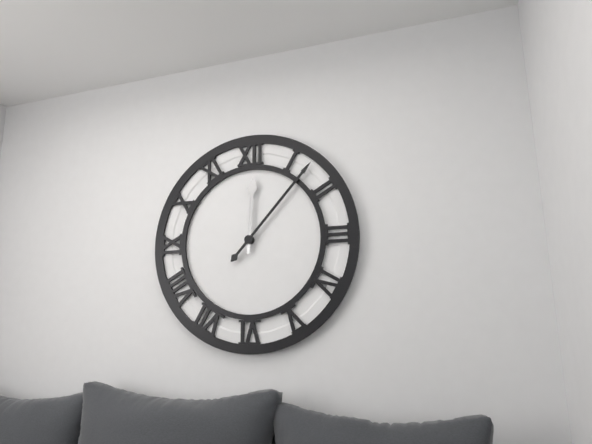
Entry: h=12 m=7
